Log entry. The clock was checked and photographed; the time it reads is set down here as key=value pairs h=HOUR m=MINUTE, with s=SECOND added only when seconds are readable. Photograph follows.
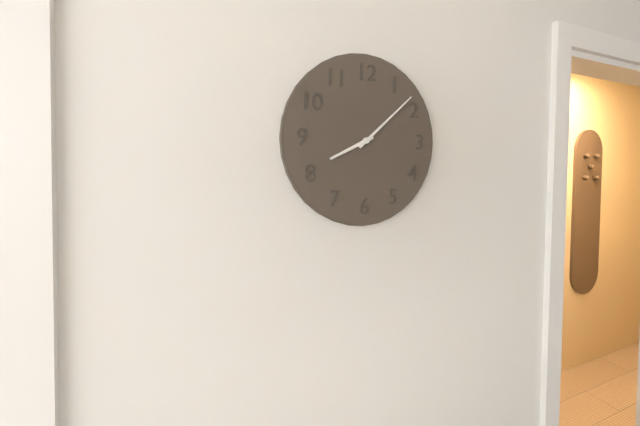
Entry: h=8 m=8
